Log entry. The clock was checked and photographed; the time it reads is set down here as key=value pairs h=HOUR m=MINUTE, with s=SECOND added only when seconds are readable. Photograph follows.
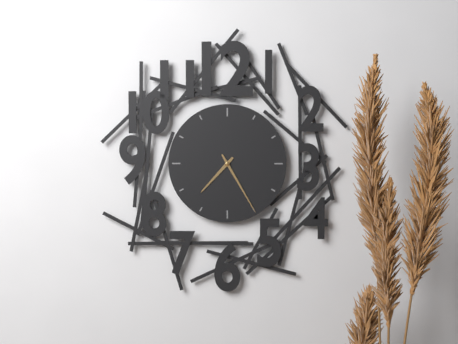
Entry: h=7 m=25
